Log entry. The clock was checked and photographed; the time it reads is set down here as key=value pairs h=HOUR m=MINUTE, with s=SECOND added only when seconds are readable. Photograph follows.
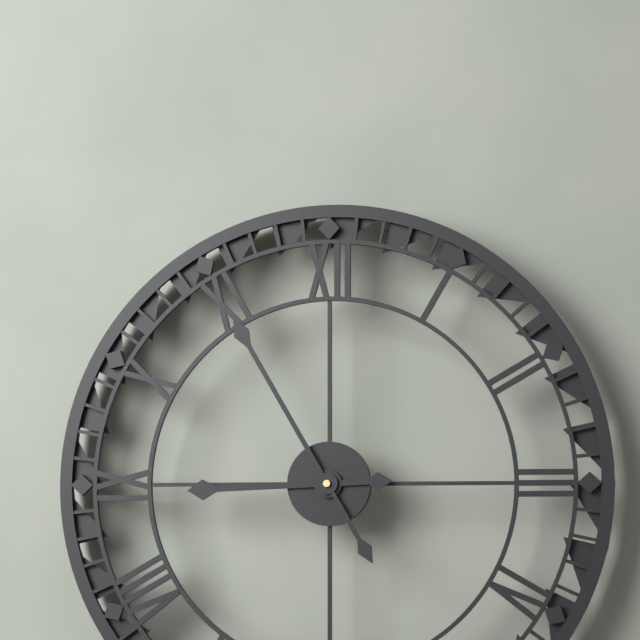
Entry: h=8 m=55
